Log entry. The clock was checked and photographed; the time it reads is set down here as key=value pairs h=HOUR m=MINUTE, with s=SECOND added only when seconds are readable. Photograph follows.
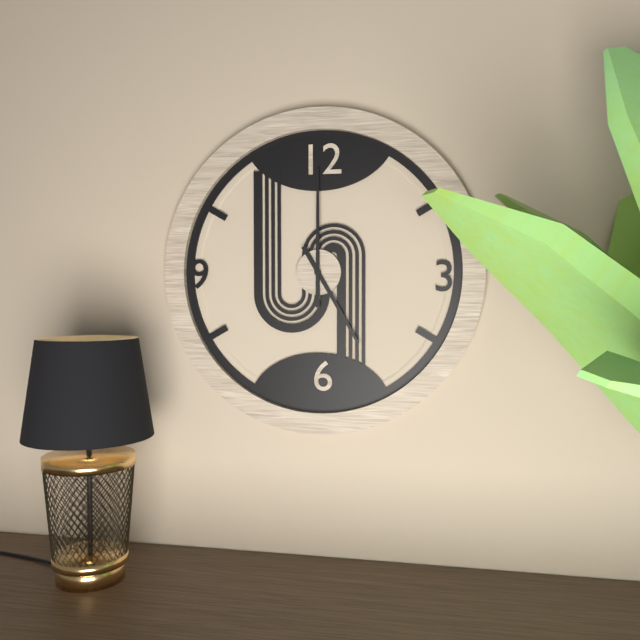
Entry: h=5 m=0
